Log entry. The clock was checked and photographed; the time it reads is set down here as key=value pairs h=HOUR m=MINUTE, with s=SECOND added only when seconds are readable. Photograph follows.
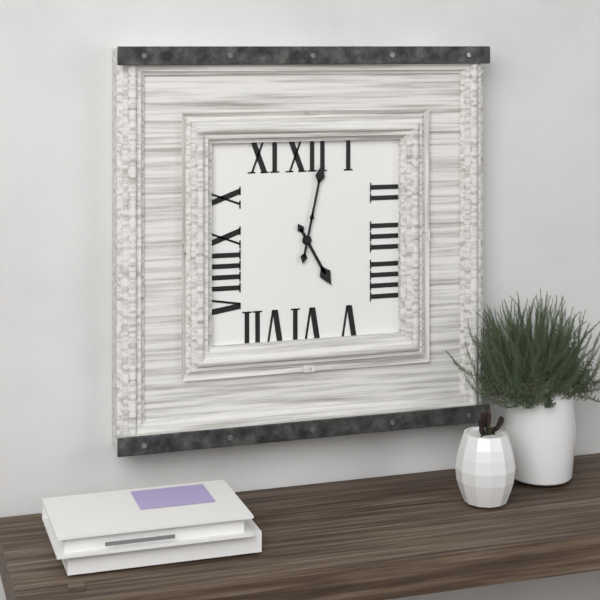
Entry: h=5 m=2
